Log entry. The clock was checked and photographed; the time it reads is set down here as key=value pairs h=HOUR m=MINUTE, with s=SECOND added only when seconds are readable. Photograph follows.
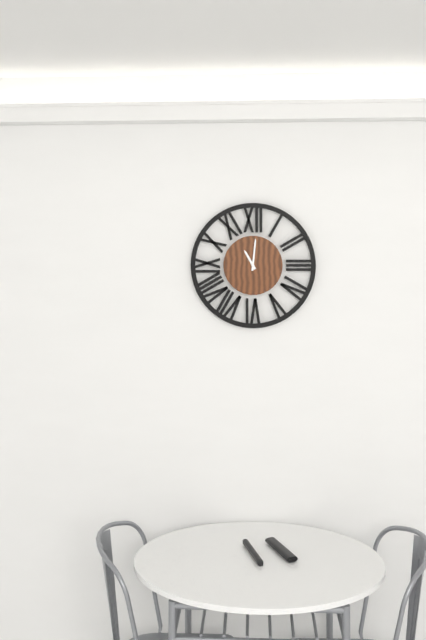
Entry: h=11 m=1
